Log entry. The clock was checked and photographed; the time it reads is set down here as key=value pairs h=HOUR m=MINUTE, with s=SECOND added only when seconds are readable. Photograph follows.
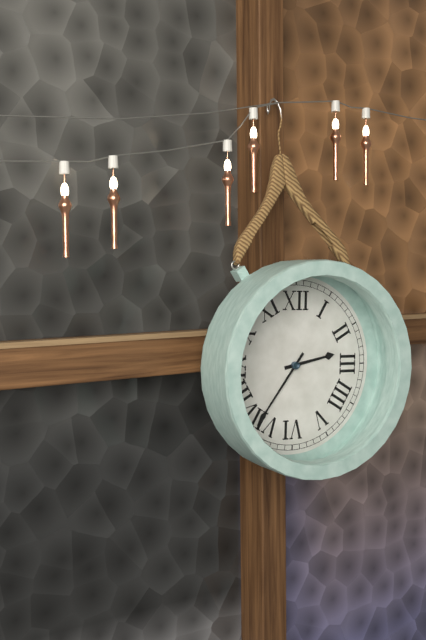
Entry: h=2 m=36
